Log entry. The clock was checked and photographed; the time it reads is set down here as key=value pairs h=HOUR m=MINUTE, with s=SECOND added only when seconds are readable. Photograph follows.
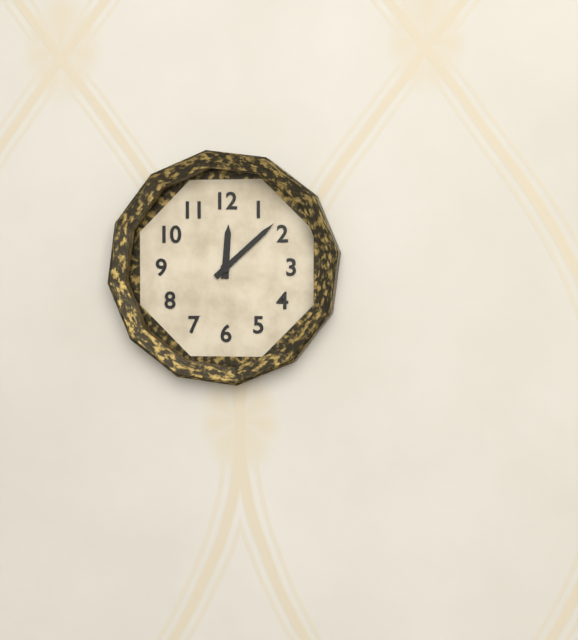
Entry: h=12 m=8
